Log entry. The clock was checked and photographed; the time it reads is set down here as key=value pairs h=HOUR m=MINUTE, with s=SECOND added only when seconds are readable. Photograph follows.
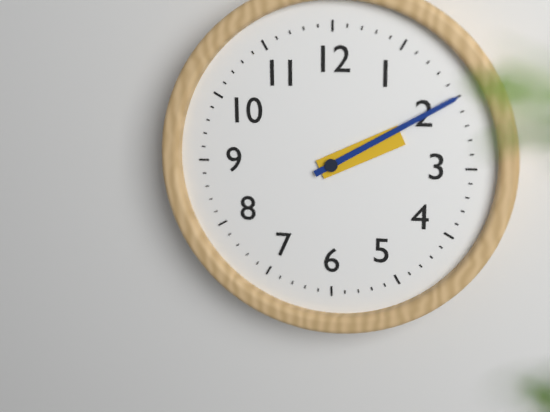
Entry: h=2 m=10
